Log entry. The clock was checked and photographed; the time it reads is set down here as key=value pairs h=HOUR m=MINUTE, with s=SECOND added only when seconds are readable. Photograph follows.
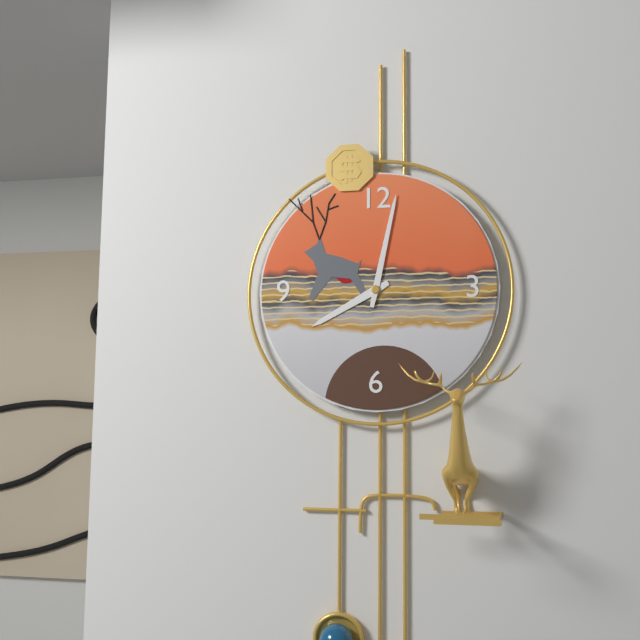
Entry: h=8 m=2
